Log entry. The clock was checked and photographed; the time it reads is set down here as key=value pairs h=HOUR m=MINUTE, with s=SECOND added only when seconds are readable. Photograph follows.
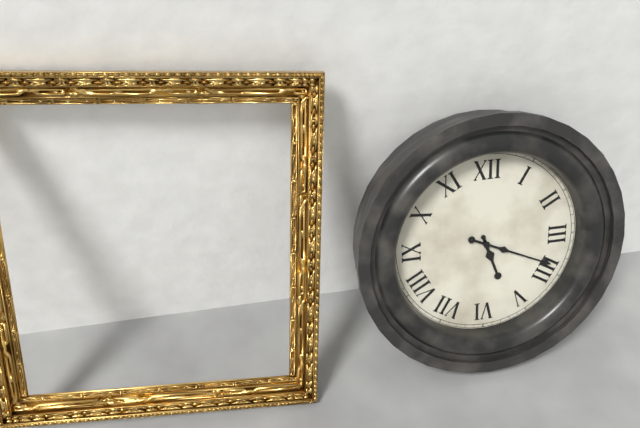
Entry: h=5 m=19
